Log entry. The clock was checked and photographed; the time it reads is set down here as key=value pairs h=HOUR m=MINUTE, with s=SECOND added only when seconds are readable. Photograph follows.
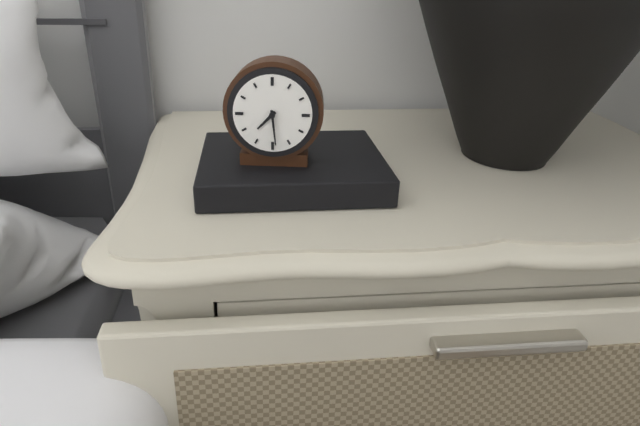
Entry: h=7 m=29
